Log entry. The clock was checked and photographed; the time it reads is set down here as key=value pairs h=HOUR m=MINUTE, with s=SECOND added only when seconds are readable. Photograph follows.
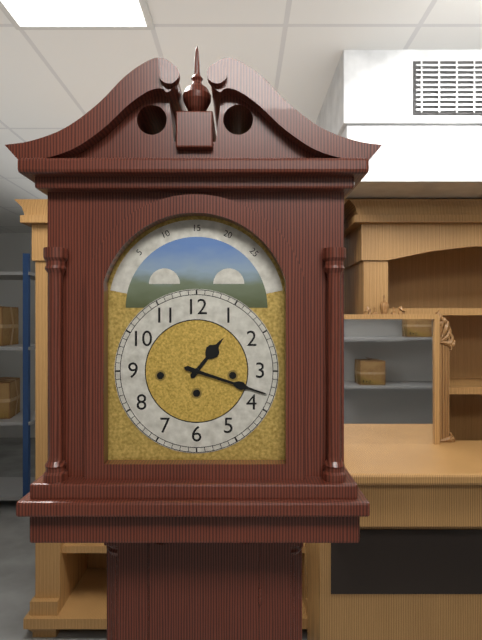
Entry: h=1 m=18
